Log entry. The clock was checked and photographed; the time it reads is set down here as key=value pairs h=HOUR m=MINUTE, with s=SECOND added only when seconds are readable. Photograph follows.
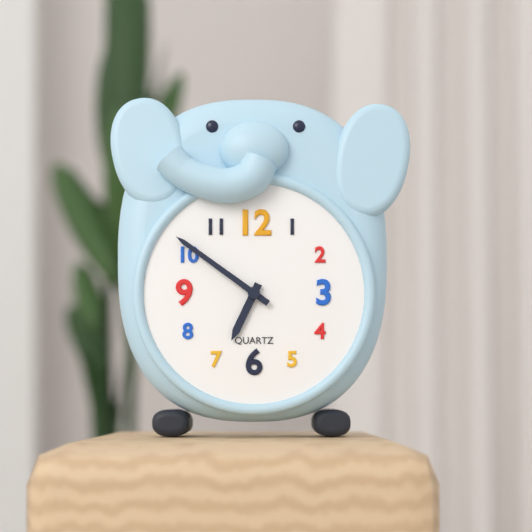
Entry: h=6 m=51
